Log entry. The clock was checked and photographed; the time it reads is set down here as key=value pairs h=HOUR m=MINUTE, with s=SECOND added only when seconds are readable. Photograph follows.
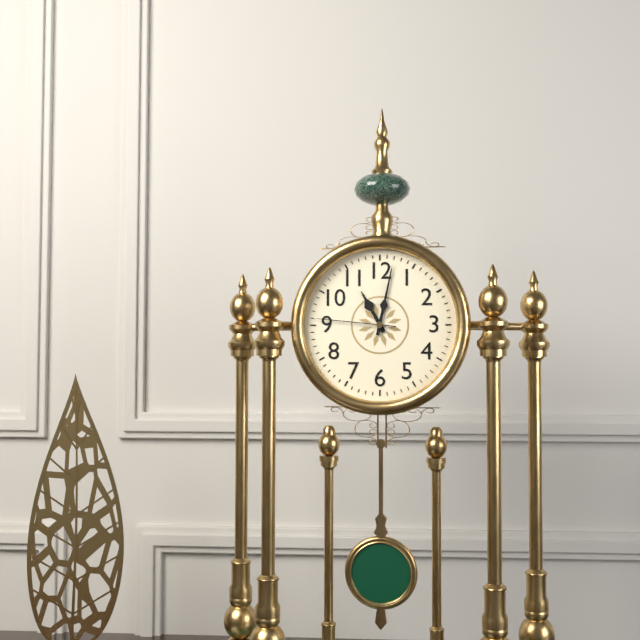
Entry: h=11 m=2 s=46
